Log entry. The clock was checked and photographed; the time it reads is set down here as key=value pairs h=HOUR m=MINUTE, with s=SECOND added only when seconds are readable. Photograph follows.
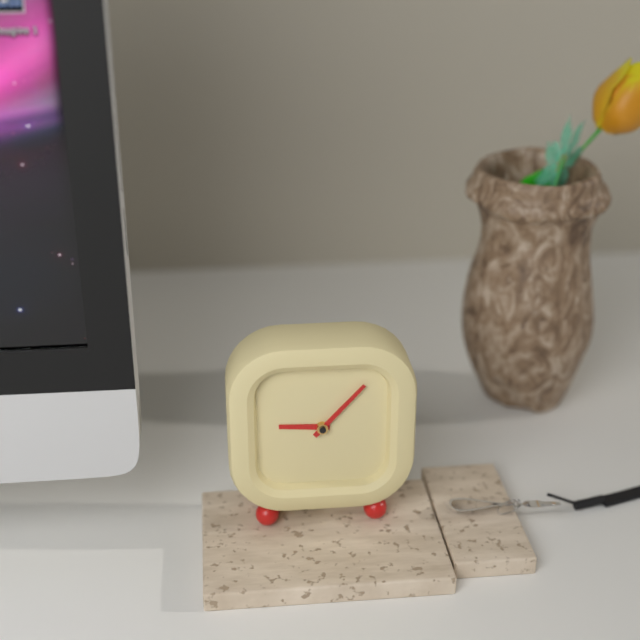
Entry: h=9 m=7
